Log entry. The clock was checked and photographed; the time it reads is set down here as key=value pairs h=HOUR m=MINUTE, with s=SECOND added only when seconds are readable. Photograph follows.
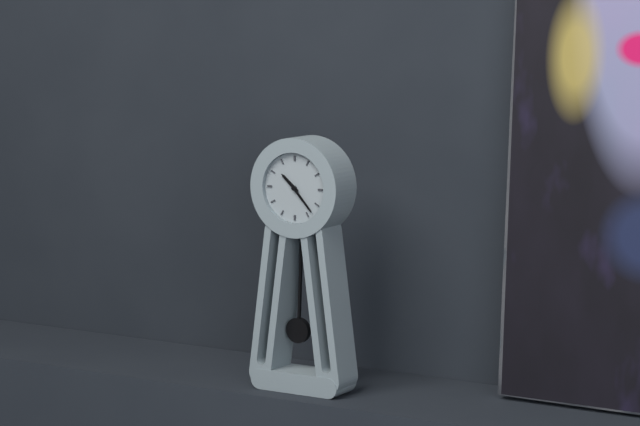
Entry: h=10 m=23
